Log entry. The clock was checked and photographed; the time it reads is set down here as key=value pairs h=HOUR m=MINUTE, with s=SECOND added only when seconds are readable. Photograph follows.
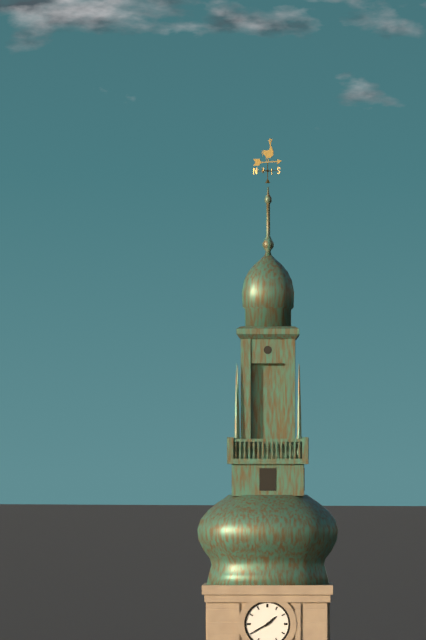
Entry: h=1 m=40
